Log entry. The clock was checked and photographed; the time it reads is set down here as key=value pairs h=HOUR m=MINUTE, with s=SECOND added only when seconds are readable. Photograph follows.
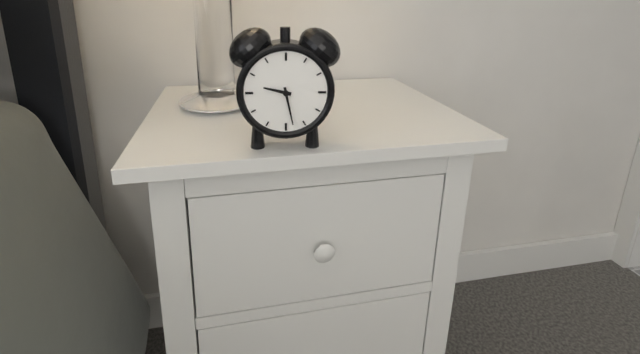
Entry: h=9 m=28
